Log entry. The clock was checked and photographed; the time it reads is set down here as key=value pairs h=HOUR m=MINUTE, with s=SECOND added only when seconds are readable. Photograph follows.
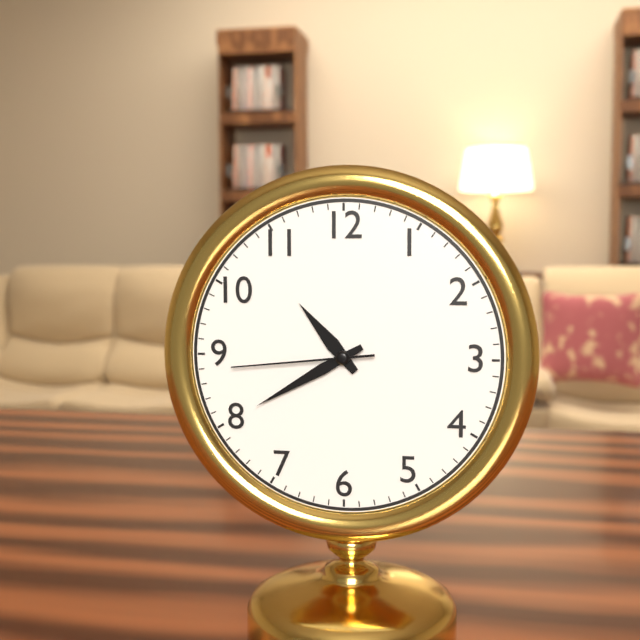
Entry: h=10 m=40 s=44
